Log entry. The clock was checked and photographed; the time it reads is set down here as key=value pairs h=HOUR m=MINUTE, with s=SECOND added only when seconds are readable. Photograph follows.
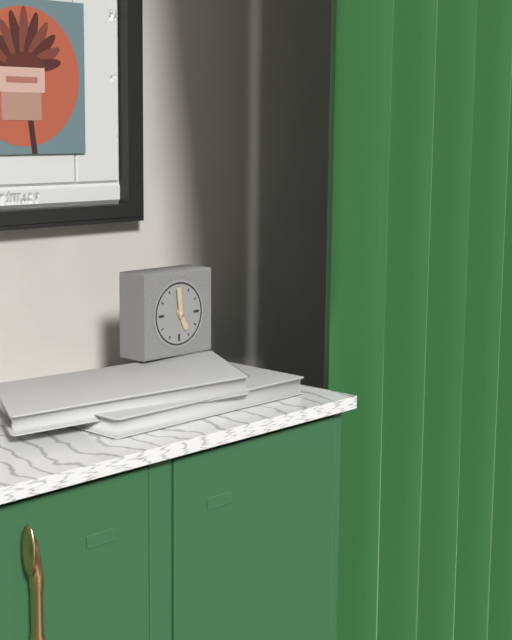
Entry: h=4 m=59
